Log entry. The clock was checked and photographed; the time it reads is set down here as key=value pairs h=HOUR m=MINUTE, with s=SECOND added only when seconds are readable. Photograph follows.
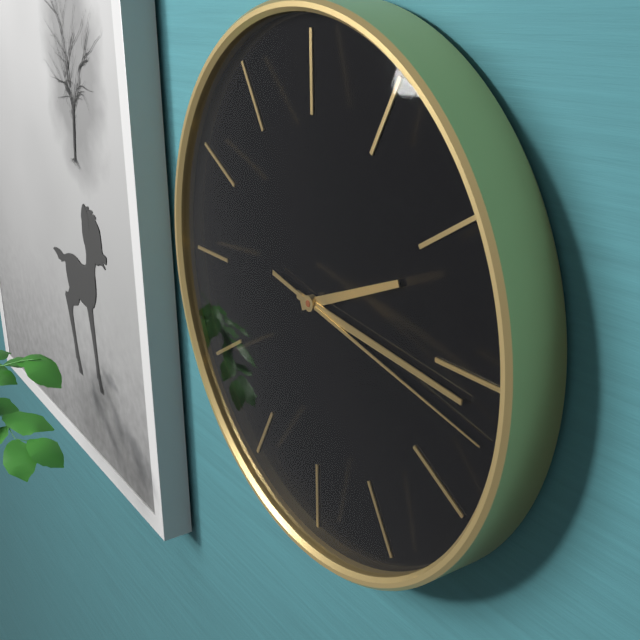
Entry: h=2 m=16 s=17
